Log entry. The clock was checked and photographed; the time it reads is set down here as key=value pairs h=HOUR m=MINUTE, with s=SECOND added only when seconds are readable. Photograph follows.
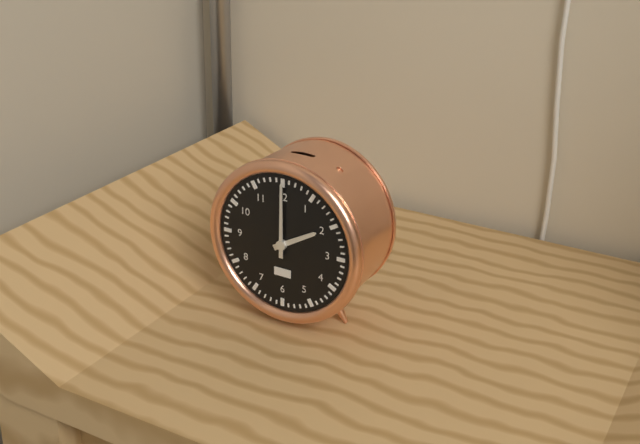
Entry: h=2 m=0
